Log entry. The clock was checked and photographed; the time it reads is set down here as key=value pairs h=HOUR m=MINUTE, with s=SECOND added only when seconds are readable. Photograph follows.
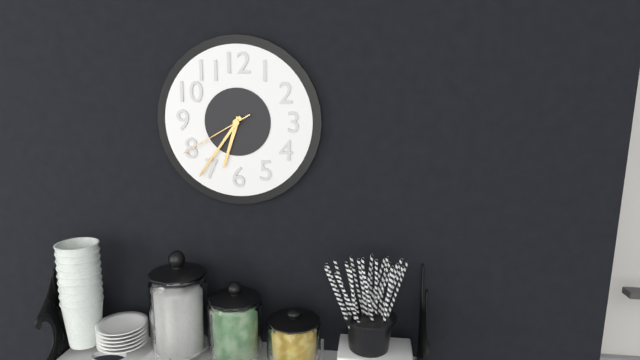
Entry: h=6 m=36 s=40
